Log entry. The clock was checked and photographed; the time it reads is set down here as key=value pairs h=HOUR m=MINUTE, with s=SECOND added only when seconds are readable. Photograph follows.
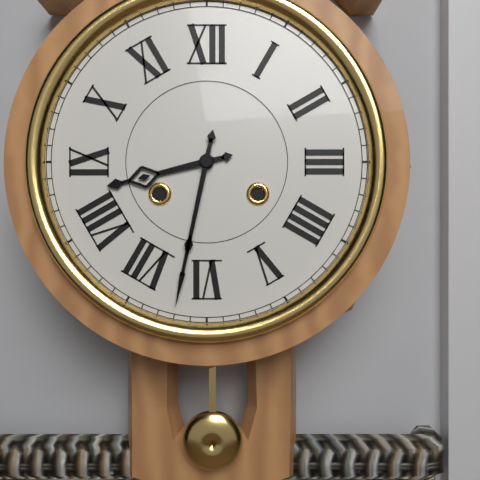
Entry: h=8 m=32
